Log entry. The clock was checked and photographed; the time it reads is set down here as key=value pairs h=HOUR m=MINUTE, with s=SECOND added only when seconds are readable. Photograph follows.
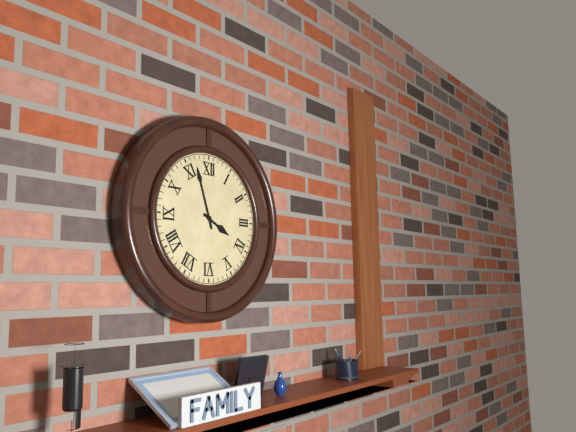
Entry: h=3 m=57
